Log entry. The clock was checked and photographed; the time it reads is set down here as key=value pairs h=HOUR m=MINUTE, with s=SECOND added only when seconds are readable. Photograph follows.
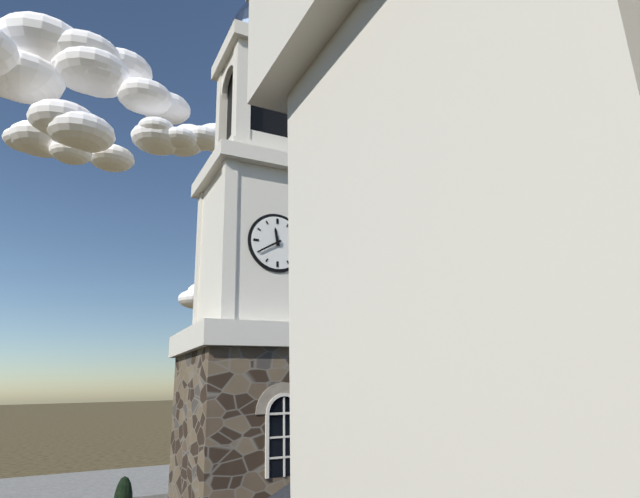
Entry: h=11 m=40
